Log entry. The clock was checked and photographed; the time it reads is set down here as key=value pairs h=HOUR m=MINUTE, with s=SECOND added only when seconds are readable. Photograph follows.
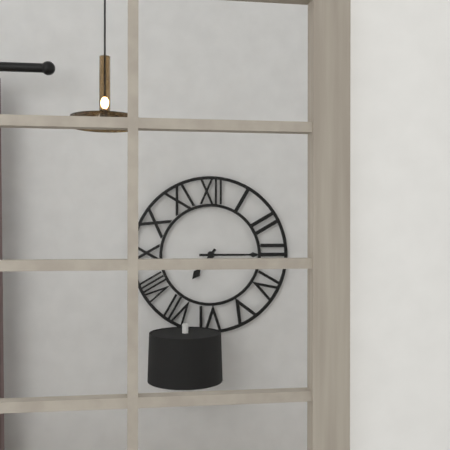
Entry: h=7 m=15
